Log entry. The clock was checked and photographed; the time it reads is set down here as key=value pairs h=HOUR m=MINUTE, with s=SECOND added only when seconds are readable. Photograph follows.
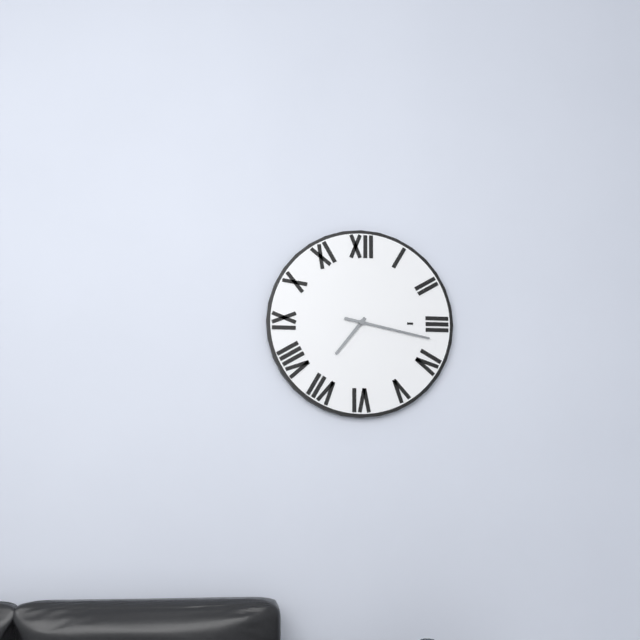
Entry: h=7 m=17
